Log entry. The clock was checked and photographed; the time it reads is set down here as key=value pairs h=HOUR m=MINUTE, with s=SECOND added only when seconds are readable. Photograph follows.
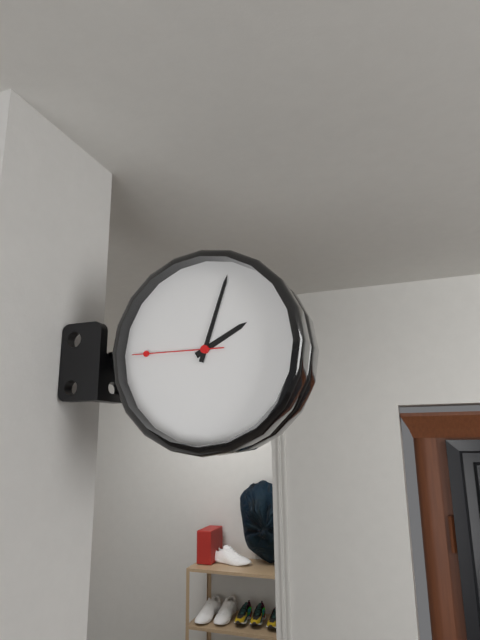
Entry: h=2 m=3 s=45
